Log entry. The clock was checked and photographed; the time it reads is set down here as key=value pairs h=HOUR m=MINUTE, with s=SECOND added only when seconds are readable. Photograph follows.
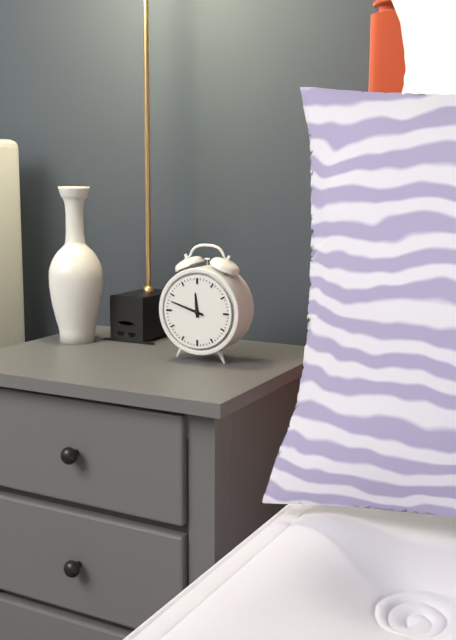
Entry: h=11 m=48
